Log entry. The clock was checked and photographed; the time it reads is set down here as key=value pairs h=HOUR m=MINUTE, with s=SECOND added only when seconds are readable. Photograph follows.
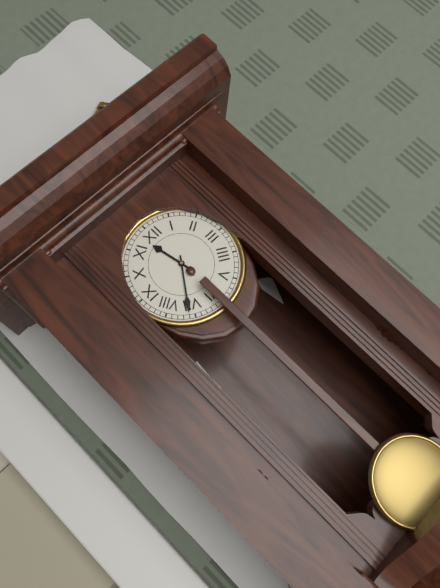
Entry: h=11 m=36
